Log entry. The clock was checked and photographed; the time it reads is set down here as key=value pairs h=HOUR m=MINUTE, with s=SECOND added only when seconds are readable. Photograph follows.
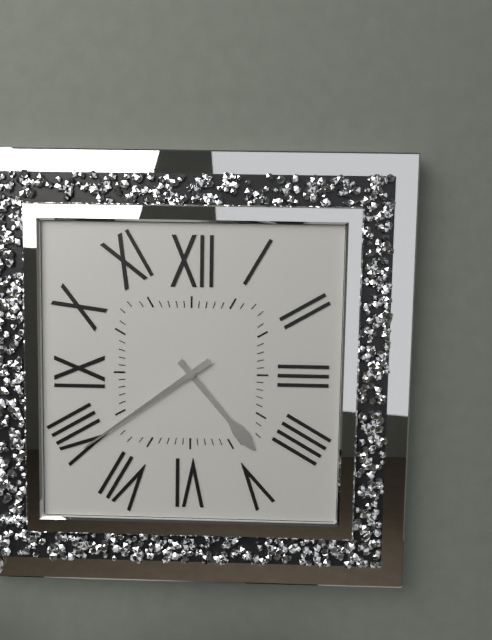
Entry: h=4 m=39
